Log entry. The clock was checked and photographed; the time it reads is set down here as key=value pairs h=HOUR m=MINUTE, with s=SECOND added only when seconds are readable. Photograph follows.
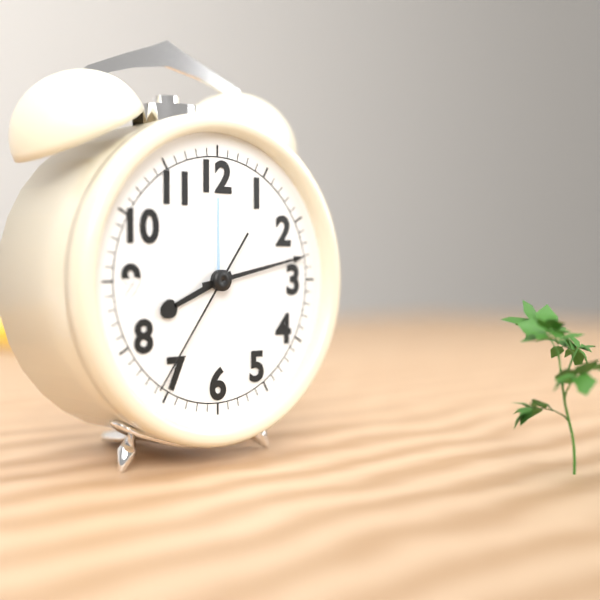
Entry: h=8 m=13 s=36
